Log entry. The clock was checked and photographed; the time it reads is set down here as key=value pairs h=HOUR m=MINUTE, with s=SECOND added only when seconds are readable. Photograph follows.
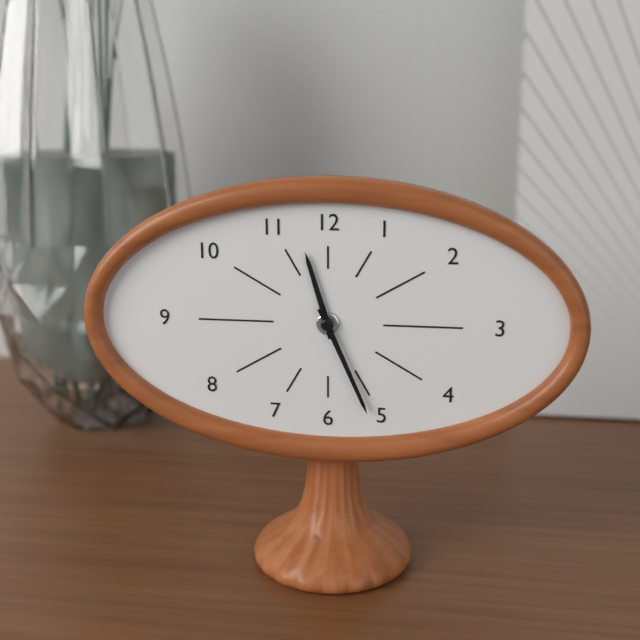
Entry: h=11 m=26
